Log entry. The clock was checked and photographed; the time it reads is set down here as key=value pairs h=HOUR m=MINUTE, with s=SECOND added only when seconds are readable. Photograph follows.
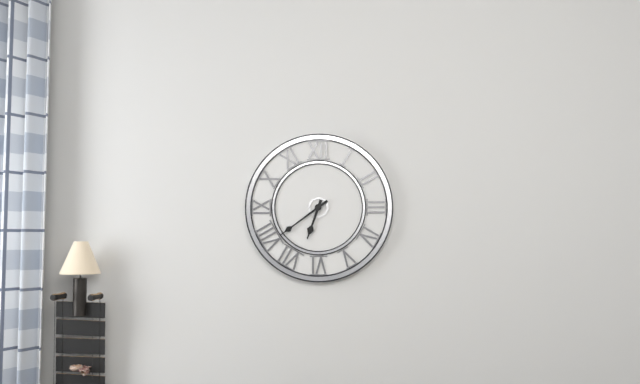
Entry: h=6 m=39
